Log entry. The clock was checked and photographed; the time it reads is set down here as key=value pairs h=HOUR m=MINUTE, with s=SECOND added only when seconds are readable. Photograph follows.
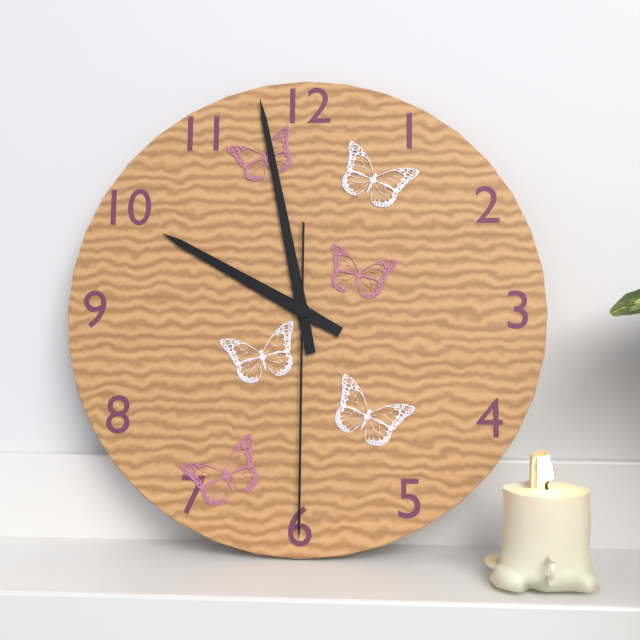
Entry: h=9 m=58 s=30
